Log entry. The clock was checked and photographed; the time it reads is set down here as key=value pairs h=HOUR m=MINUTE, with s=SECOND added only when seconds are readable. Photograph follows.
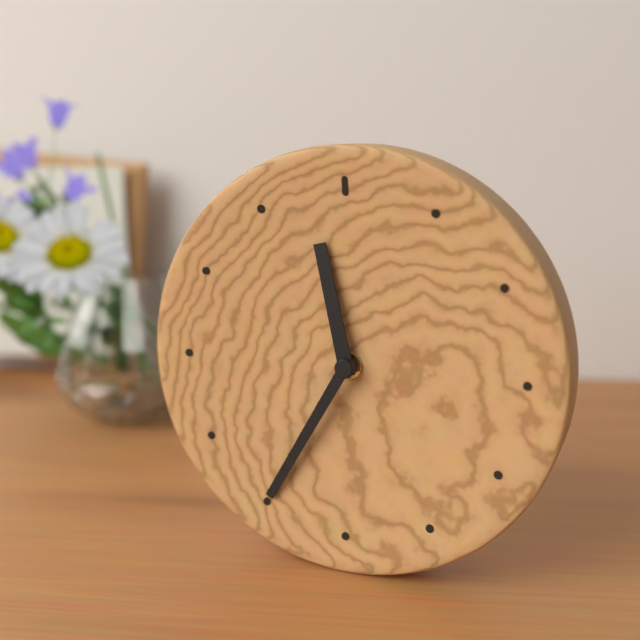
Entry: h=11 m=35
